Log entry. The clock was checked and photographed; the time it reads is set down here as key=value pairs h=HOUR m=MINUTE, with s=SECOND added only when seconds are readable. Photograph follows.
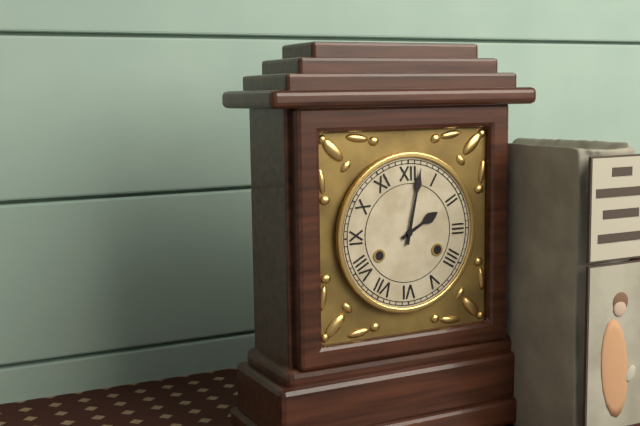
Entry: h=2 m=2
